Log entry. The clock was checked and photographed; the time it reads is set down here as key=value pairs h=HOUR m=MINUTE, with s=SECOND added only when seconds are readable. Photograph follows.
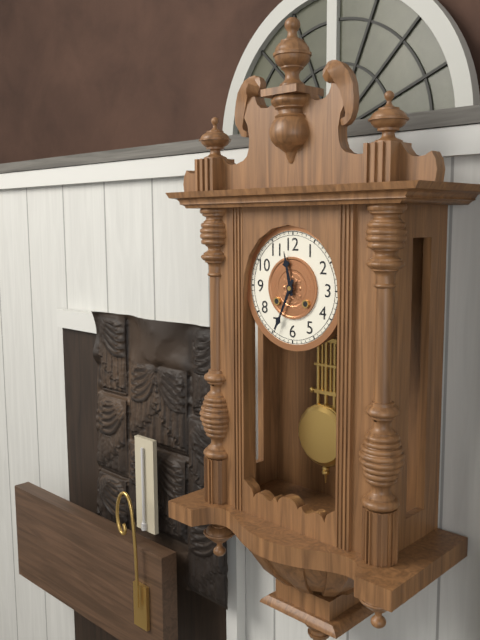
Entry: h=11 m=34
